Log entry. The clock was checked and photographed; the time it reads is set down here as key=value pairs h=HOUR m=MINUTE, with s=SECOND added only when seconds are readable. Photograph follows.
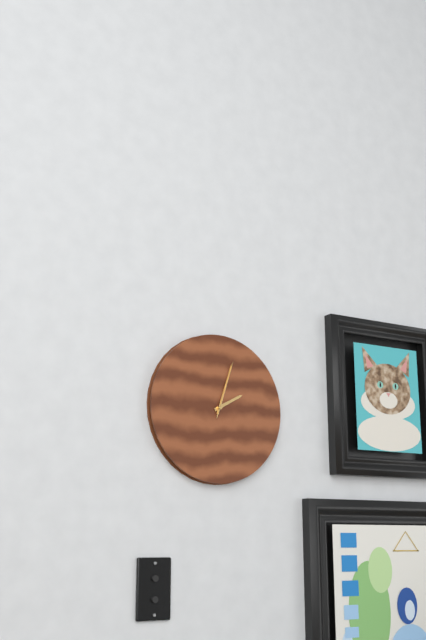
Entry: h=2 m=3 s=3
